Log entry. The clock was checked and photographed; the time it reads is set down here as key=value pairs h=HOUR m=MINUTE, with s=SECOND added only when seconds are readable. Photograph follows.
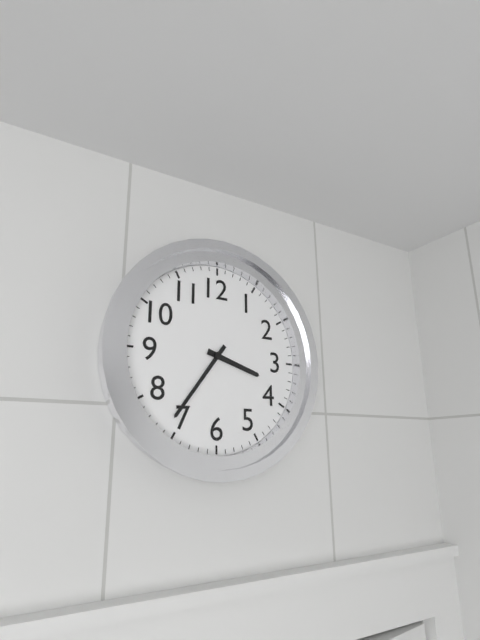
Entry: h=3 m=36
